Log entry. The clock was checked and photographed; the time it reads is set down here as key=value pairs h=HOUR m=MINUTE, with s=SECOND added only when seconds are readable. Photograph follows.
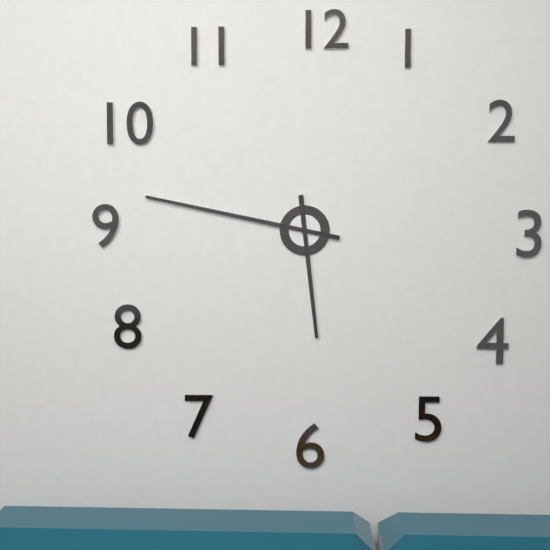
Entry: h=5 m=47
